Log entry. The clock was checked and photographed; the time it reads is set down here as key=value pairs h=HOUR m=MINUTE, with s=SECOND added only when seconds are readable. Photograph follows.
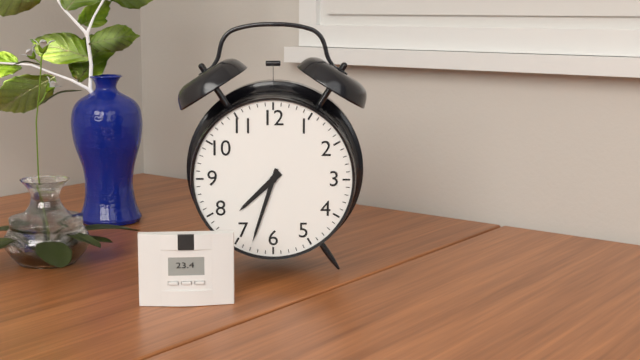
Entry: h=7 m=33
